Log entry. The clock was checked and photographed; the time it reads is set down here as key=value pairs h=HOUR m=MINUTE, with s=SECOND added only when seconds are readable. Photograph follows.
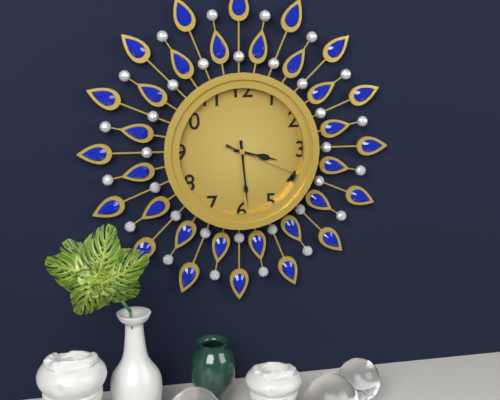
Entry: h=3 m=29 s=19
